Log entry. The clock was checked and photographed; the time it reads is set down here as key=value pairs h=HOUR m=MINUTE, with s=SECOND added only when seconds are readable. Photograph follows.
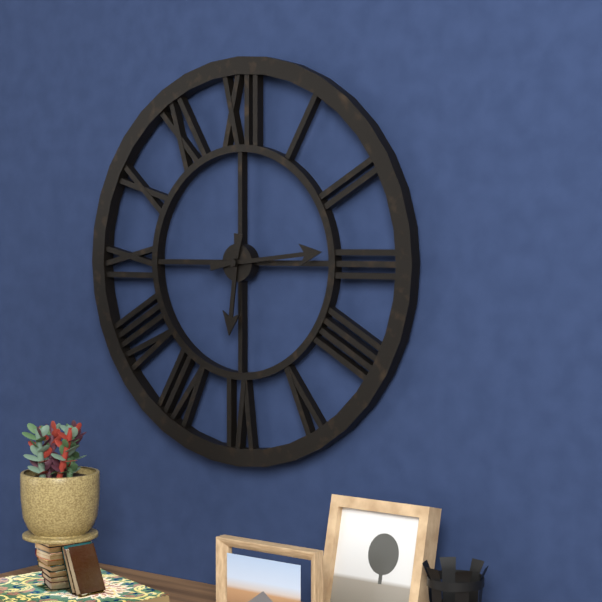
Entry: h=6 m=14
